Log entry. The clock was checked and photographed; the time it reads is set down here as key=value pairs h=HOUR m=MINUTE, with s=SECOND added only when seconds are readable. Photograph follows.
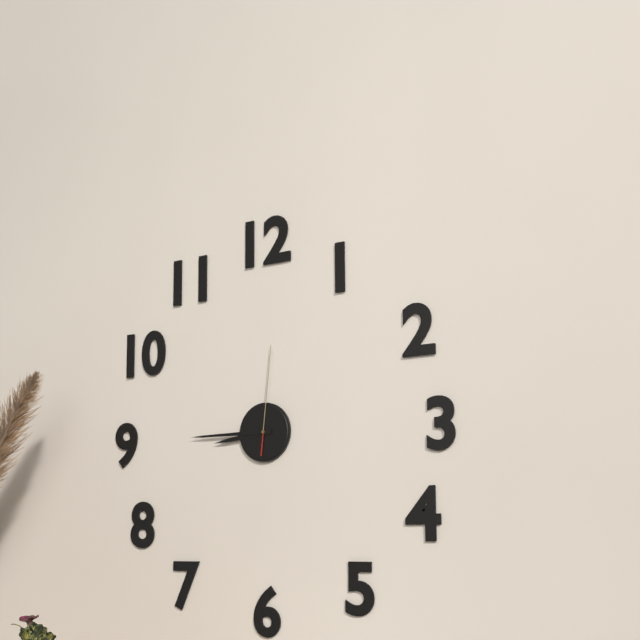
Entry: h=8 m=45 s=1
